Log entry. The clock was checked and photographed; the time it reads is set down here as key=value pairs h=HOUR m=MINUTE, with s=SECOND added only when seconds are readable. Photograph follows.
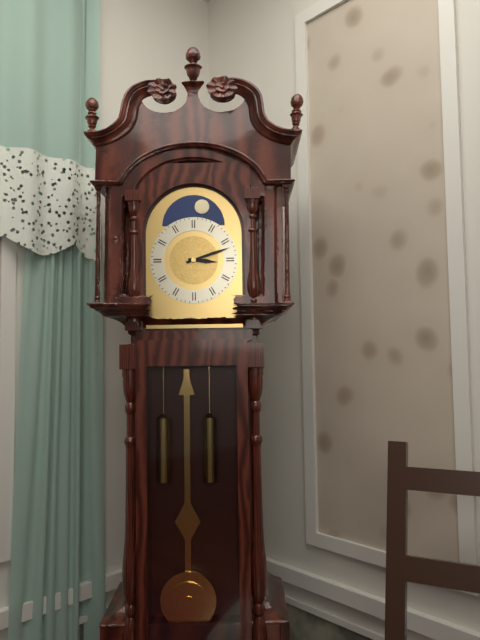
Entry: h=3 m=12
